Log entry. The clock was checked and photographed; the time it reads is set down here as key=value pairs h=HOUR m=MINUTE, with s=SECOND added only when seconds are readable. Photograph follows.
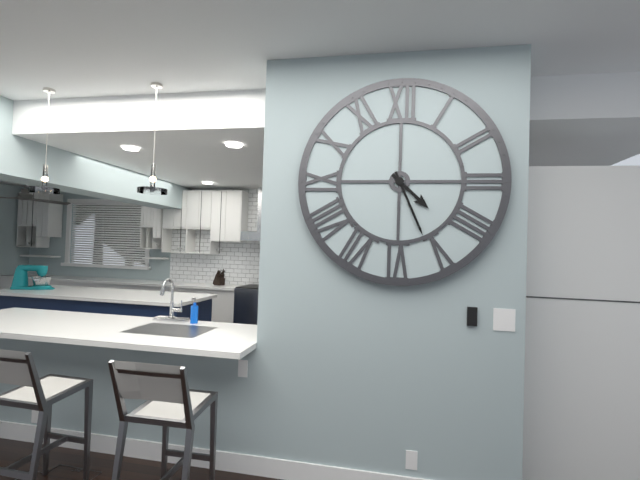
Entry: h=4 m=26
